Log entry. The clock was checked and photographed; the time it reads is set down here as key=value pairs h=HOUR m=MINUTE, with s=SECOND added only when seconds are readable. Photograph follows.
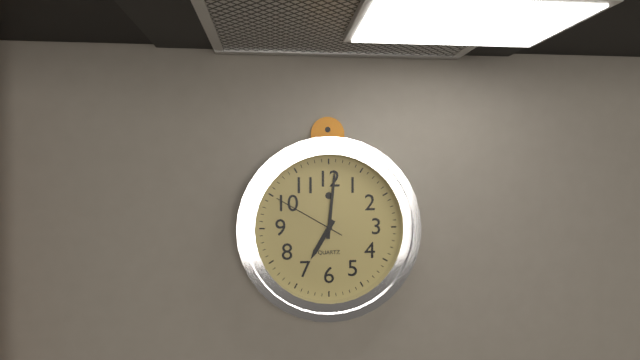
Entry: h=7 m=1 s=50
